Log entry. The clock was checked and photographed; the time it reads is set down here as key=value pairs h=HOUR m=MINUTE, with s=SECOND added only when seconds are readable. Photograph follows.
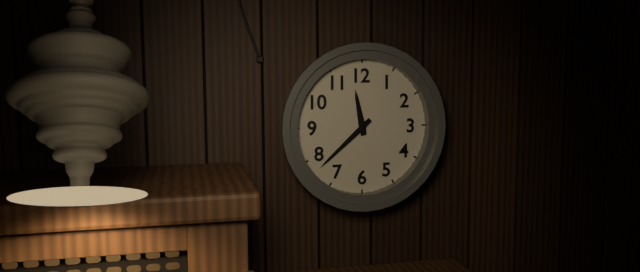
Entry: h=11 m=38
